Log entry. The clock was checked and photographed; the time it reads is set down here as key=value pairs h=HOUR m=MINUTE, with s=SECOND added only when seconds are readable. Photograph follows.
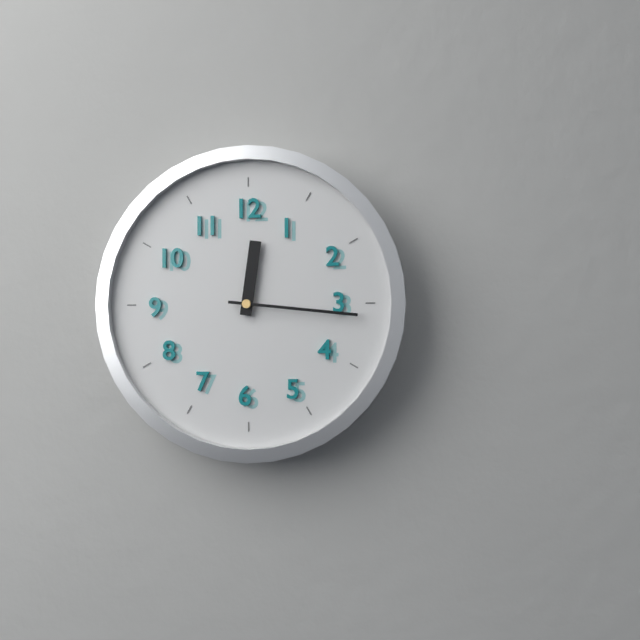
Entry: h=12 m=16
